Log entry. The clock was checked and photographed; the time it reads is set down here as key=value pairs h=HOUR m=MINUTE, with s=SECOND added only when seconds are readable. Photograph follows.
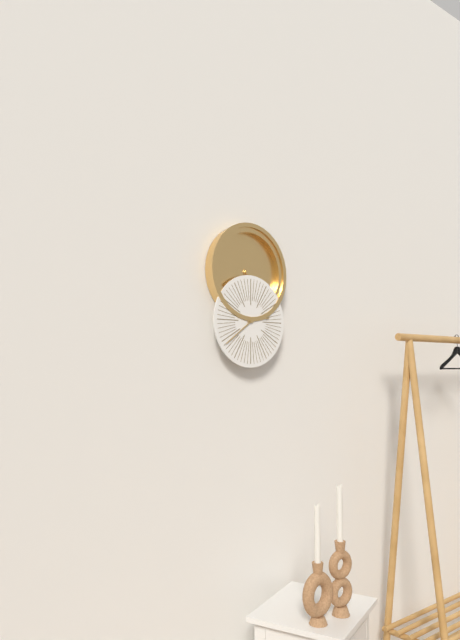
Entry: h=2 m=39
